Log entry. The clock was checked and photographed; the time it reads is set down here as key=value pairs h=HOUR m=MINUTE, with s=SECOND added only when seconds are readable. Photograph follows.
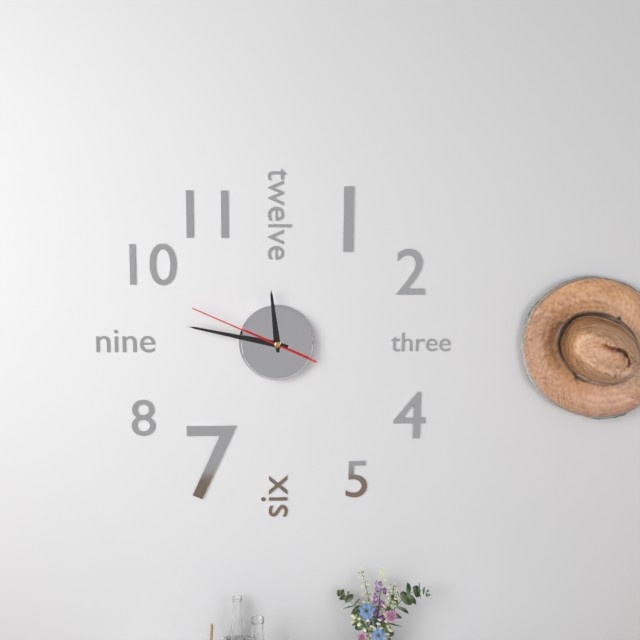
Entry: h=11 m=47 s=49
